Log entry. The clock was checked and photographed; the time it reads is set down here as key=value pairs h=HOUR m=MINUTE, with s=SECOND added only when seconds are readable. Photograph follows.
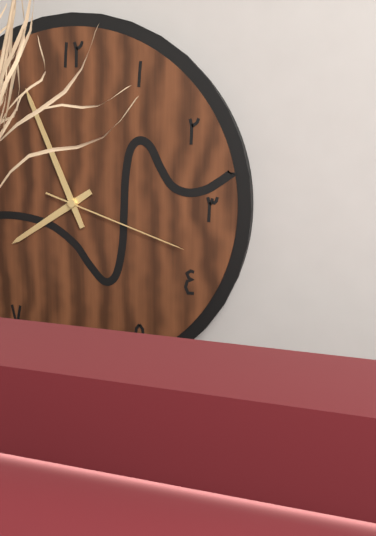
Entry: h=7 m=56 s=18
